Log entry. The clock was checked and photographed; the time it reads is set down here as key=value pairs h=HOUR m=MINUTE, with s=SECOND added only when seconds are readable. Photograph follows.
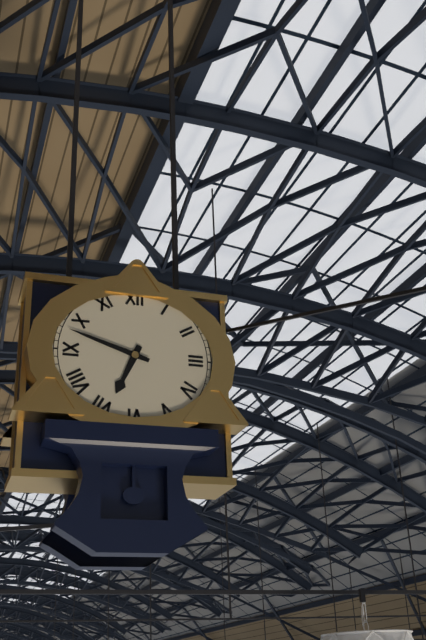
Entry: h=6 m=48
